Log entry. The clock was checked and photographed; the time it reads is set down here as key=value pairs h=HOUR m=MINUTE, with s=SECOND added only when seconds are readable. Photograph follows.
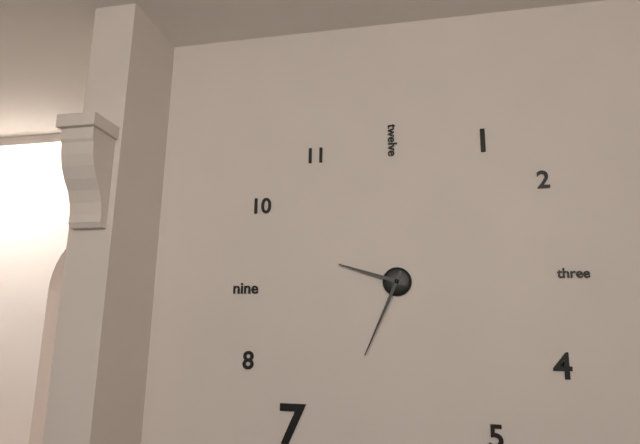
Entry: h=9 m=34
